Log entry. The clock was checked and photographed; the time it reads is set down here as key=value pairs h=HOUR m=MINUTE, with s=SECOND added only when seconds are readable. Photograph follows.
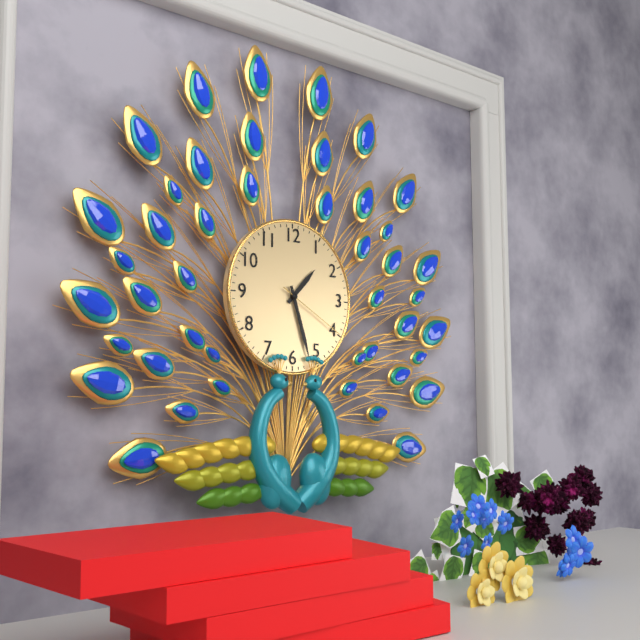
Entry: h=1 m=27 s=20
